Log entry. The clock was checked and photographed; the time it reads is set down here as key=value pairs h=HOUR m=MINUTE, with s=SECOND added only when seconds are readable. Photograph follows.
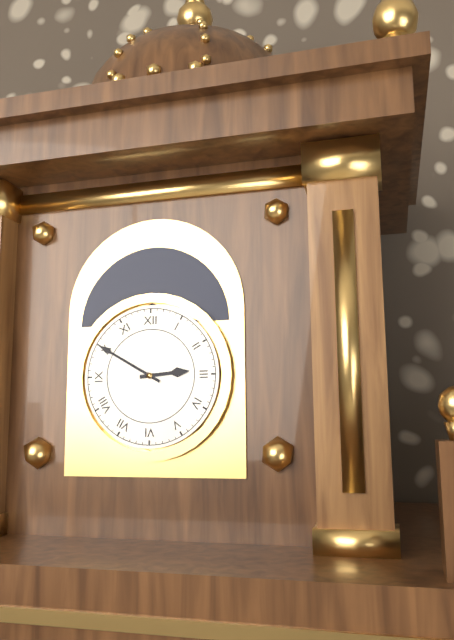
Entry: h=2 m=50
